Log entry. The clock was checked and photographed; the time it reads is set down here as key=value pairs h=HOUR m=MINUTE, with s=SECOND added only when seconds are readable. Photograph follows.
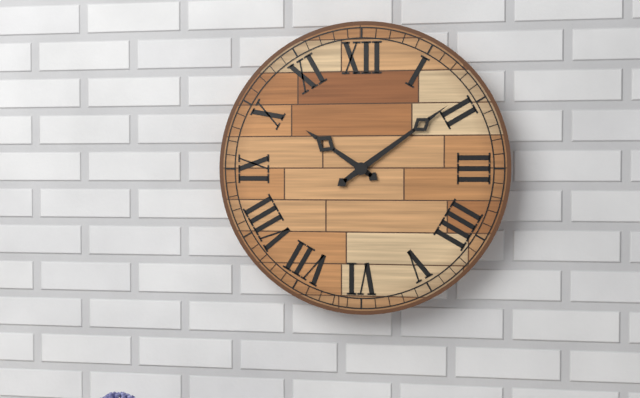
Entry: h=10 m=9
